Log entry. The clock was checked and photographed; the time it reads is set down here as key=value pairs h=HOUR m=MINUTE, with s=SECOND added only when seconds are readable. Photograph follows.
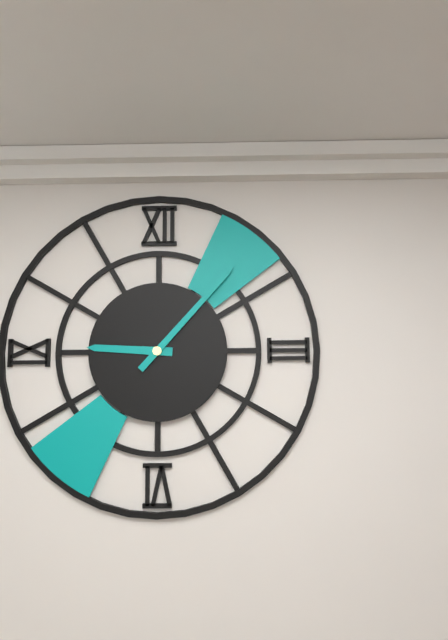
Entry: h=9 m=7
